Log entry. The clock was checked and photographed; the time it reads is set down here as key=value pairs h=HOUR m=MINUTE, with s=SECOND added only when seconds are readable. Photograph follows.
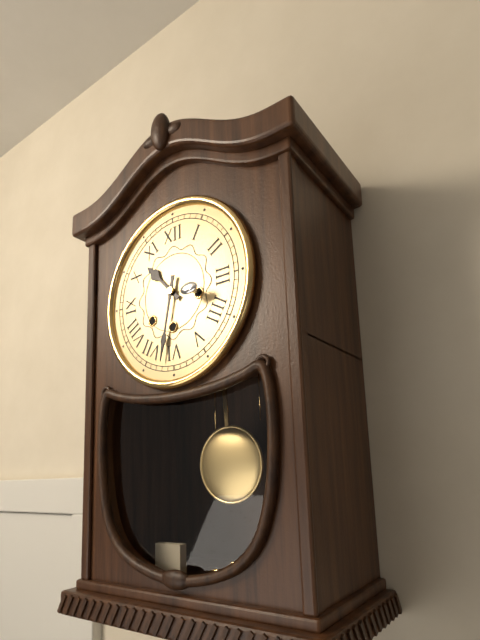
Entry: h=10 m=32
